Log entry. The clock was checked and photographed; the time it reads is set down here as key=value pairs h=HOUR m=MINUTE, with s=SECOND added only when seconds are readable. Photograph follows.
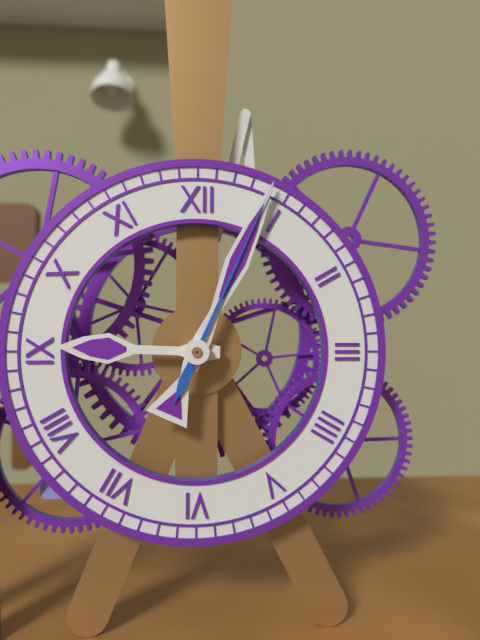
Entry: h=9 m=4 s=4
